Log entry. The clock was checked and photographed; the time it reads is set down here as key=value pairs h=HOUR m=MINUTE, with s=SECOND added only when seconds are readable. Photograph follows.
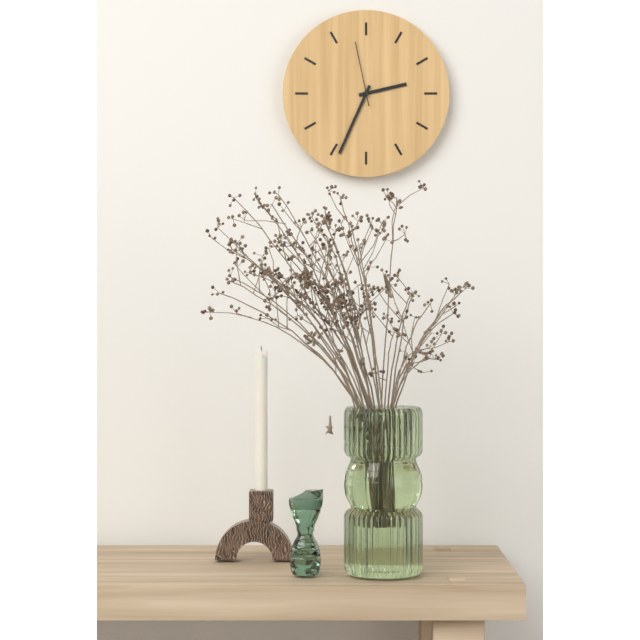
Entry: h=2 m=34 s=58
